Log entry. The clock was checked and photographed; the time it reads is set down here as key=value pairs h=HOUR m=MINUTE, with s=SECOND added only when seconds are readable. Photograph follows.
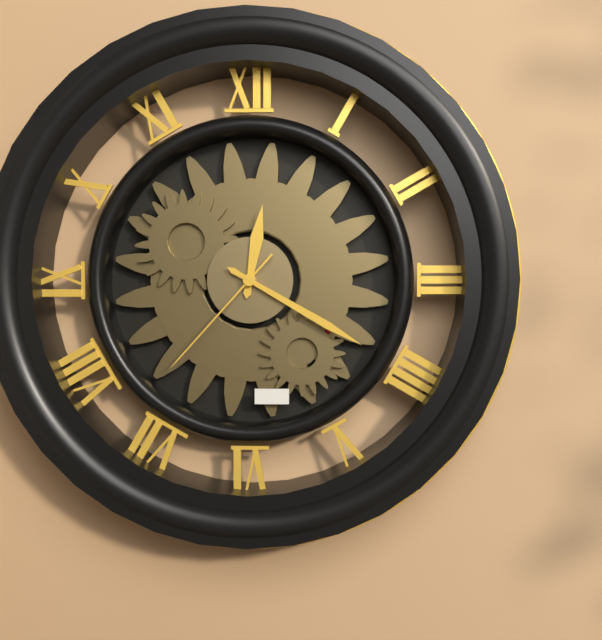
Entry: h=12 m=20 s=37
